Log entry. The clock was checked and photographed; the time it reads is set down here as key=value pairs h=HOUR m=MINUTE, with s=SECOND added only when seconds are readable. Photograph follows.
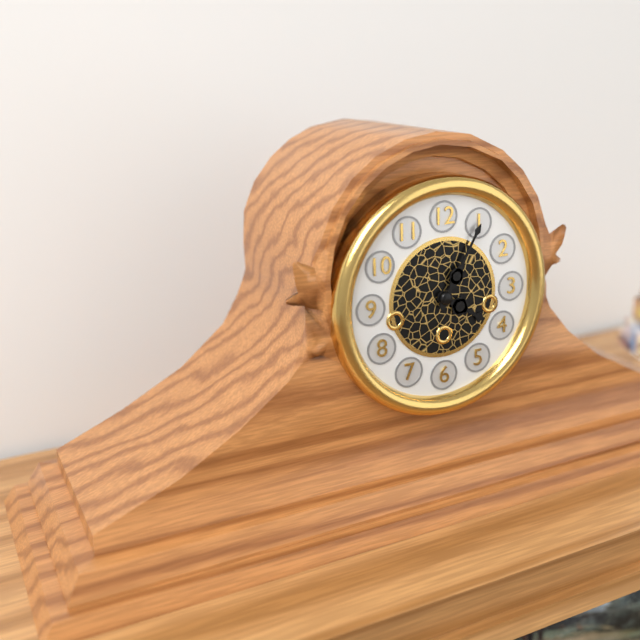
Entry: h=4 m=5
